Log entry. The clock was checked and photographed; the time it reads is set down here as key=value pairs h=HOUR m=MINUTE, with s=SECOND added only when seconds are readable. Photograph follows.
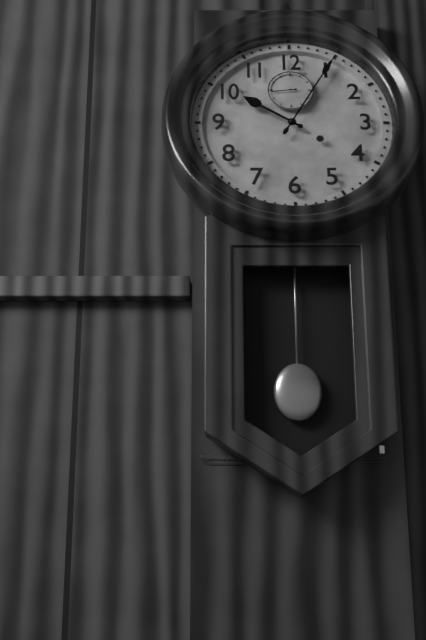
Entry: h=10 m=5
